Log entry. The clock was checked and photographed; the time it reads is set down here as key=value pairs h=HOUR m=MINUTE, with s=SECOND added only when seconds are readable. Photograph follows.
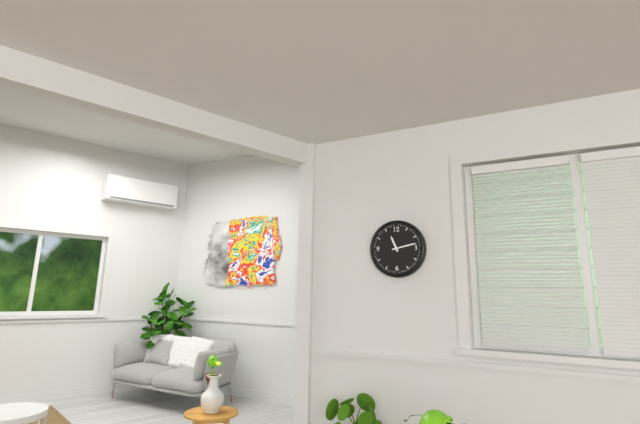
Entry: h=11 m=13
